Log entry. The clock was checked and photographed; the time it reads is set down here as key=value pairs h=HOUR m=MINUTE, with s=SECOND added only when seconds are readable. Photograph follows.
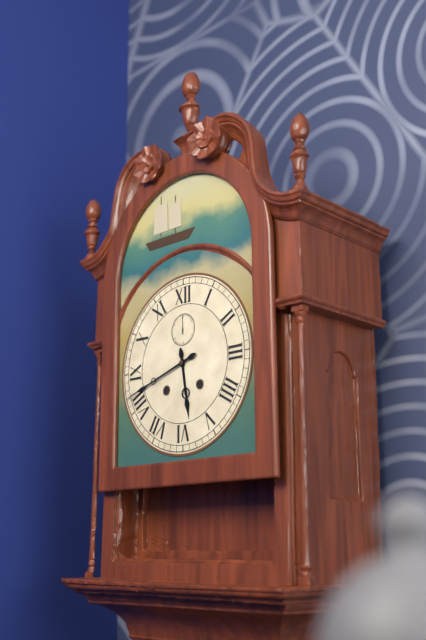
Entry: h=5 m=42
